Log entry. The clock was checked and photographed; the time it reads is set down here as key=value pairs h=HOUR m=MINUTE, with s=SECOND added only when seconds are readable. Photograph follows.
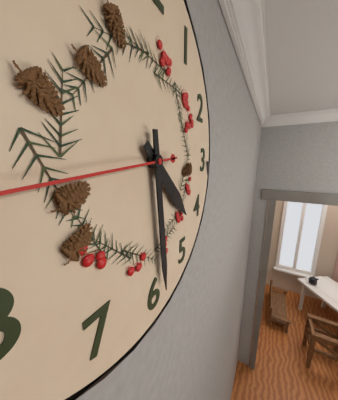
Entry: h=4 m=29
